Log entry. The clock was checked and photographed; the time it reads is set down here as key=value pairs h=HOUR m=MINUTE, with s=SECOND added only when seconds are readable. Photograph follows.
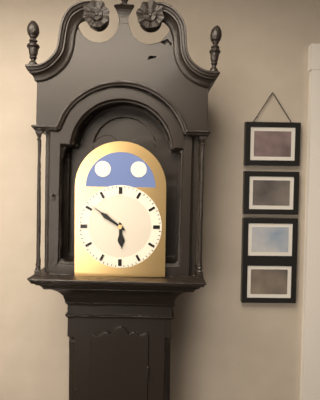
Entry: h=5 m=51
